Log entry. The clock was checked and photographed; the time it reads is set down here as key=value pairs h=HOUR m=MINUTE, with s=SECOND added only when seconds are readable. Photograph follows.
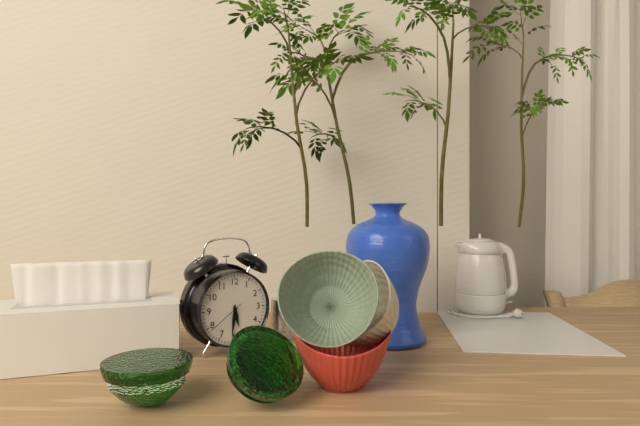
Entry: h=5 m=31
